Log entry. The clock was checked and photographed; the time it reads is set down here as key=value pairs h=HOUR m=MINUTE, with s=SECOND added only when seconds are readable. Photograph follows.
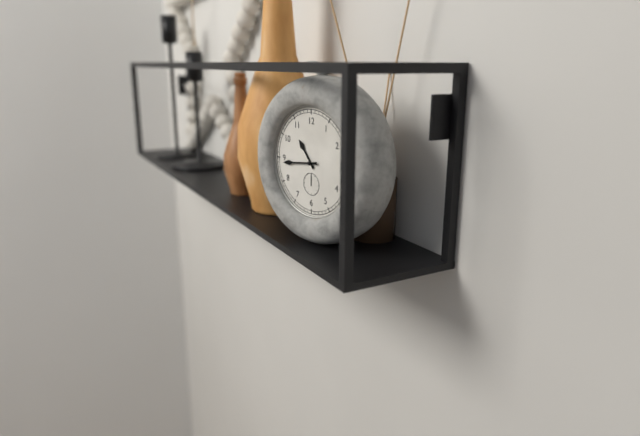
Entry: h=10 m=44
